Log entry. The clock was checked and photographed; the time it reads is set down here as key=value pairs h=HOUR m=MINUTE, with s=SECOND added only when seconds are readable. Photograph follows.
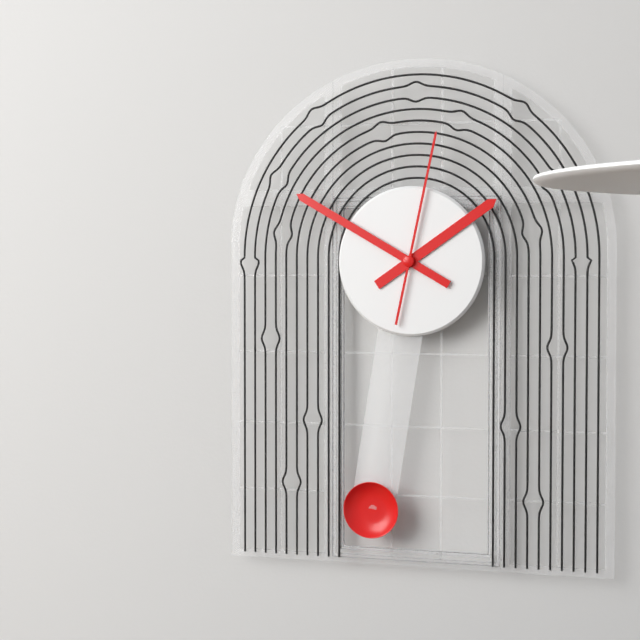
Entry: h=1 m=50 s=2
